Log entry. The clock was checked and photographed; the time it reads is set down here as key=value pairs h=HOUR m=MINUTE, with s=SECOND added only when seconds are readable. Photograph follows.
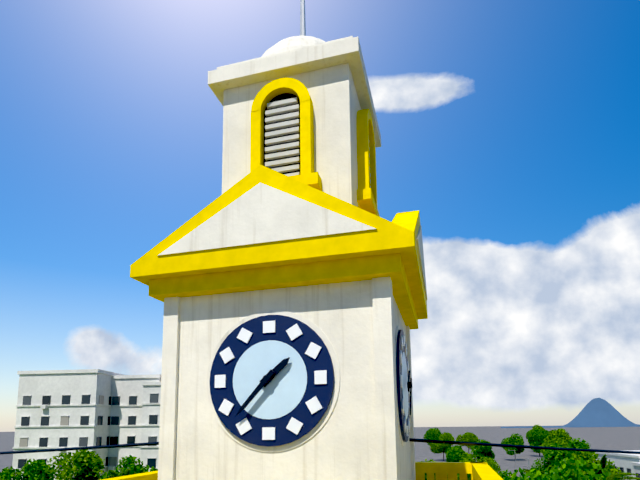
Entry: h=1 m=37
